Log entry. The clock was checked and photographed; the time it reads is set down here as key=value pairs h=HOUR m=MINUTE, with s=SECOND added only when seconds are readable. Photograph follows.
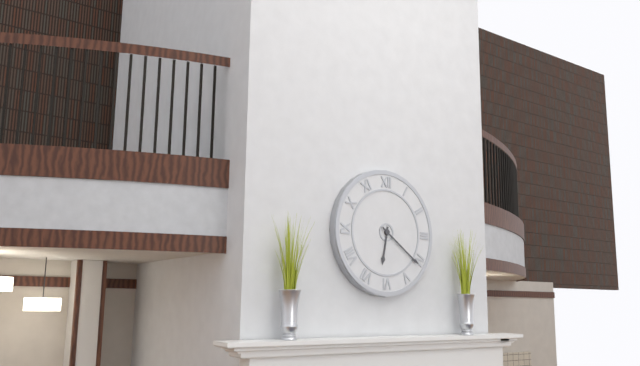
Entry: h=6 m=21
